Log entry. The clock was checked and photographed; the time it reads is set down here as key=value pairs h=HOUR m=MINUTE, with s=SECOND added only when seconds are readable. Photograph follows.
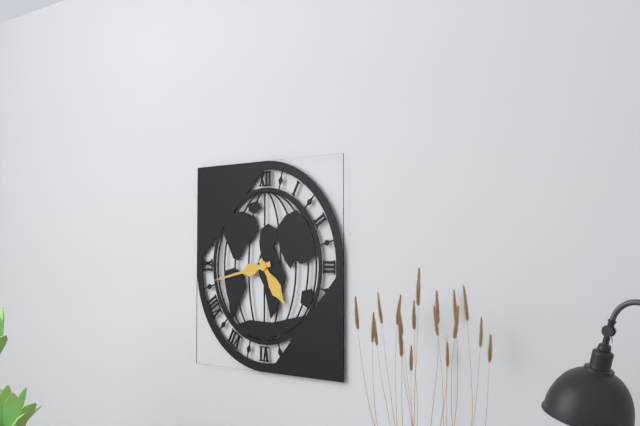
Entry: h=4 m=43
